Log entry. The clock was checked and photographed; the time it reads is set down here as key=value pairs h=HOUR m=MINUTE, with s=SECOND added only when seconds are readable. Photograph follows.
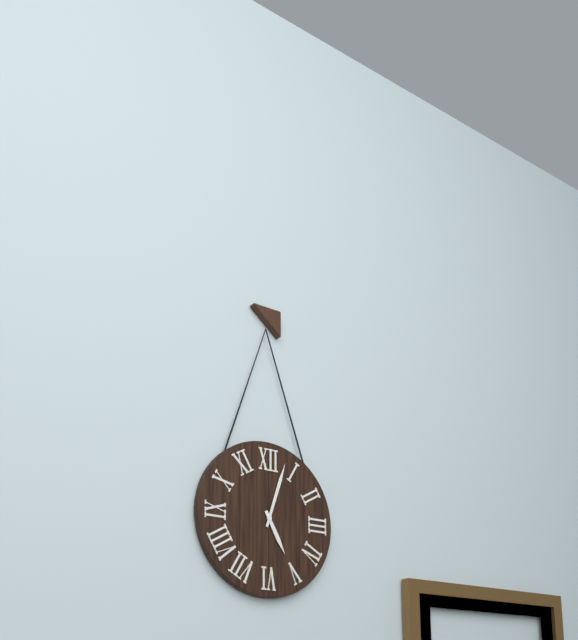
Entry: h=5 m=3
